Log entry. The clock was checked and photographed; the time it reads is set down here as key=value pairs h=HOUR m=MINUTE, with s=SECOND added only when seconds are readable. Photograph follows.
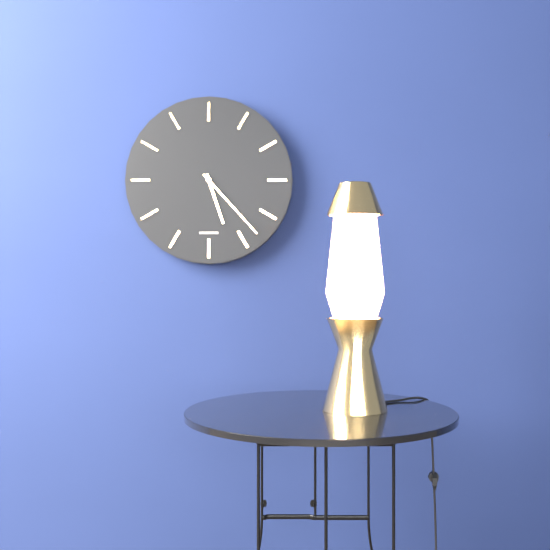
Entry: h=5 m=23
